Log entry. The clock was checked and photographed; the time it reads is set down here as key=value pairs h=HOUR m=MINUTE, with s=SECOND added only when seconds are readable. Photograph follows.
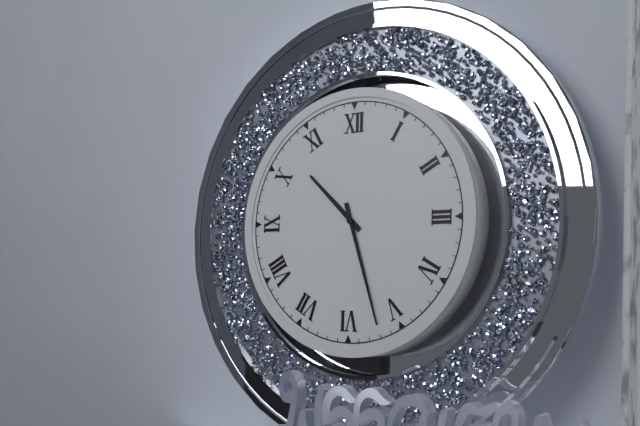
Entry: h=10 m=27
